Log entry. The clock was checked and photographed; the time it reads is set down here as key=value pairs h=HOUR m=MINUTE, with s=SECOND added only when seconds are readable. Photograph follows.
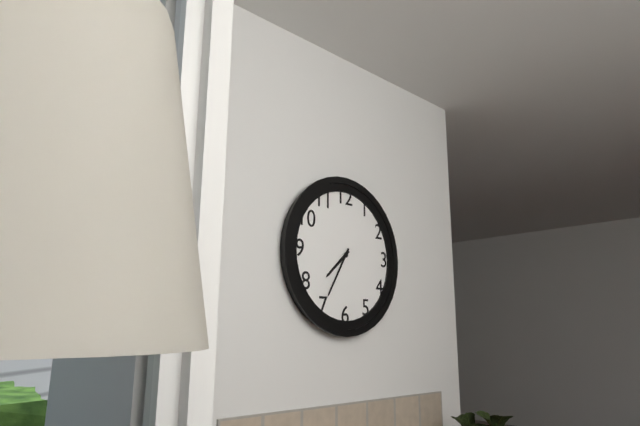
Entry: h=7 m=35
